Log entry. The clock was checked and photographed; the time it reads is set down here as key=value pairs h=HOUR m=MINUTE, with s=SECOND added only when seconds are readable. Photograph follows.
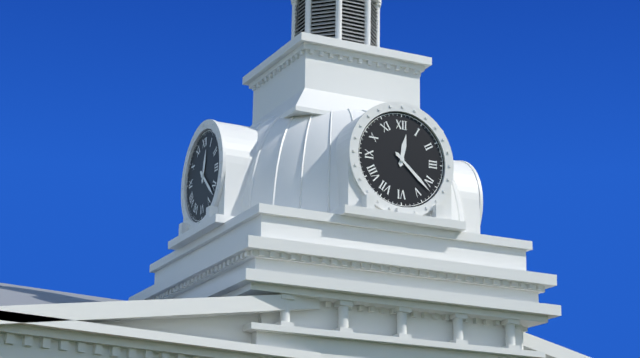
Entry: h=12 m=22
